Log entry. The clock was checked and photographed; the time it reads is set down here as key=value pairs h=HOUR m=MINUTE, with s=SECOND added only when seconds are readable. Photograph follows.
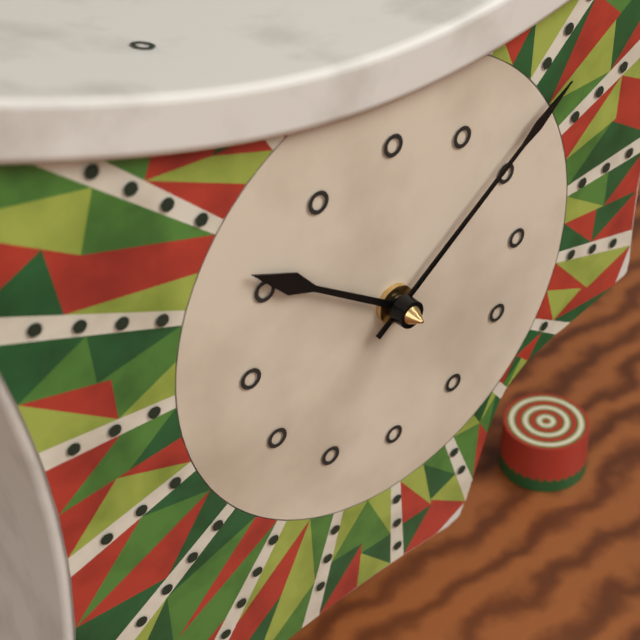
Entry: h=10 m=9
